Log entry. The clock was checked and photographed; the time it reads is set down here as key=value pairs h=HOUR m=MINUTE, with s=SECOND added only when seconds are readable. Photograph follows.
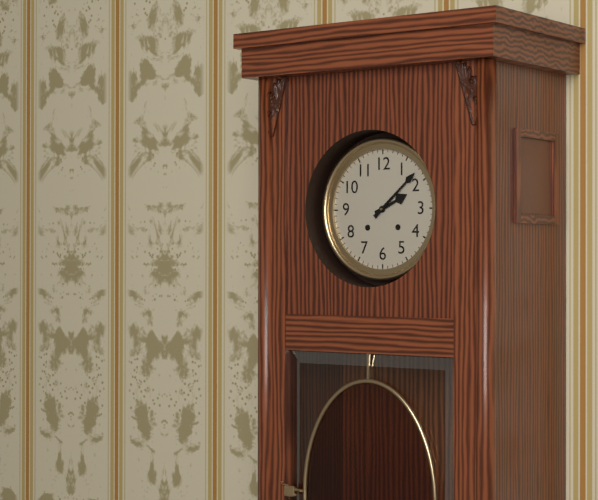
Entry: h=2 m=8
